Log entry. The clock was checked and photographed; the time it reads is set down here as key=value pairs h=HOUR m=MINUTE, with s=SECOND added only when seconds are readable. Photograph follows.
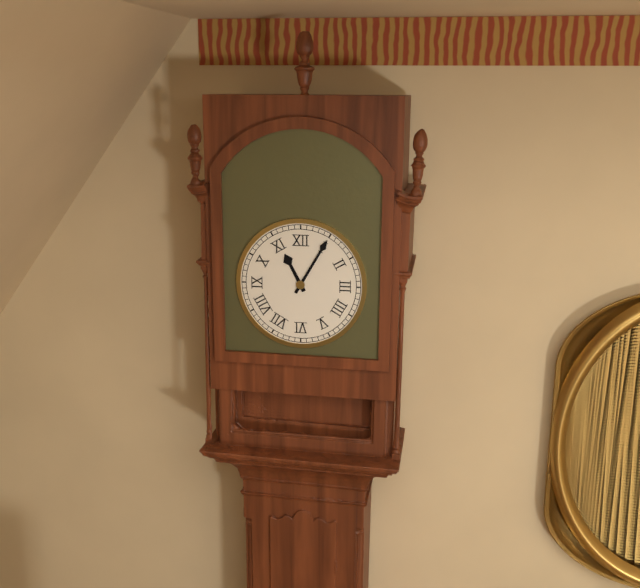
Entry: h=11 m=5
